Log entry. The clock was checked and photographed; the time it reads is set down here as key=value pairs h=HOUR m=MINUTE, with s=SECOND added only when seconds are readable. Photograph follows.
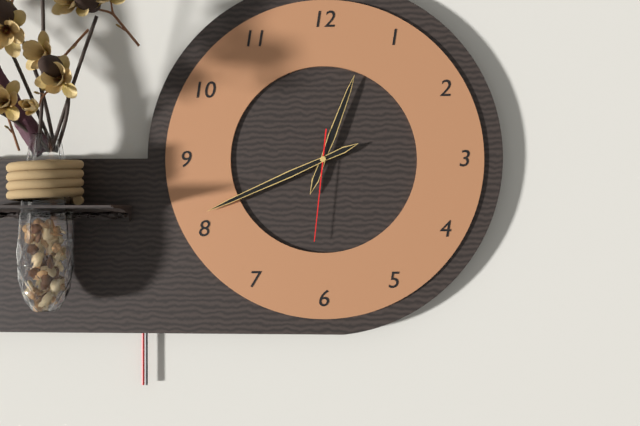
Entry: h=12 m=41 s=31
